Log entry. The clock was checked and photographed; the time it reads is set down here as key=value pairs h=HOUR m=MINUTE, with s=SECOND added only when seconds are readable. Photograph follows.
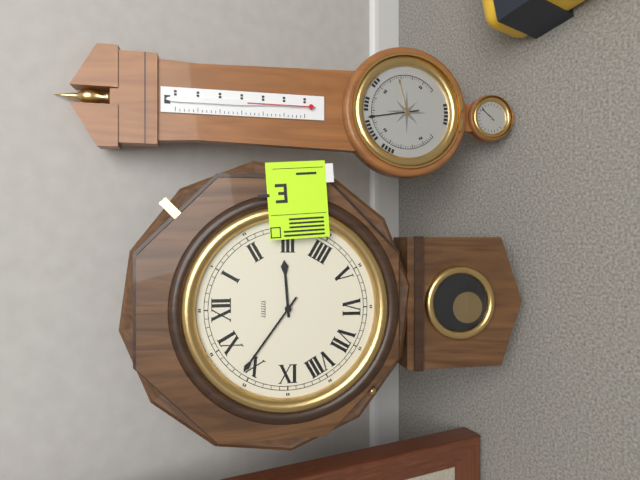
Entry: h=2 m=51
